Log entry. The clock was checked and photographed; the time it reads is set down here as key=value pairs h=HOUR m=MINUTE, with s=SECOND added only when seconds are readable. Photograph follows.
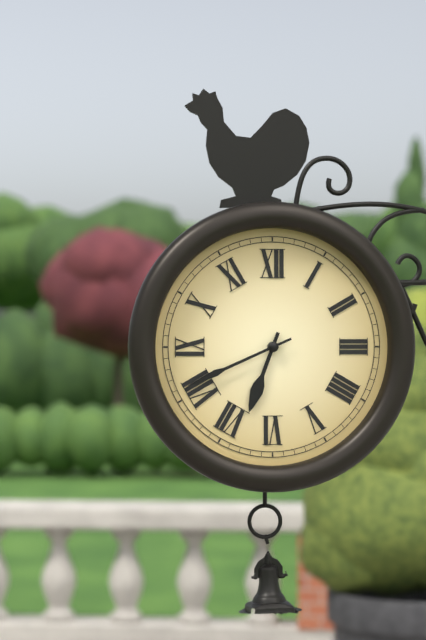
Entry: h=6 m=41
